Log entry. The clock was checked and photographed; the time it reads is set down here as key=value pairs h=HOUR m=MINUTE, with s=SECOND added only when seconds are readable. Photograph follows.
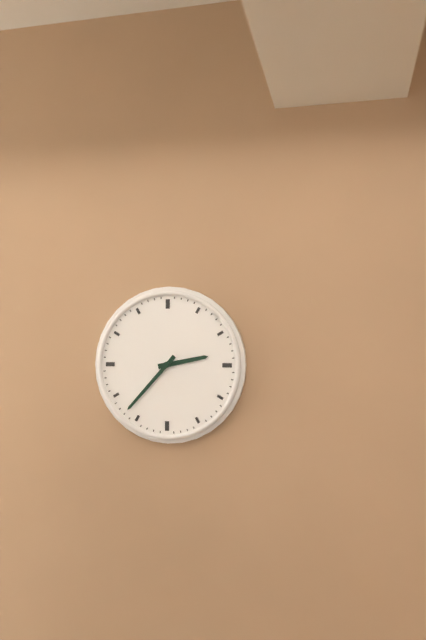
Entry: h=2 m=37
